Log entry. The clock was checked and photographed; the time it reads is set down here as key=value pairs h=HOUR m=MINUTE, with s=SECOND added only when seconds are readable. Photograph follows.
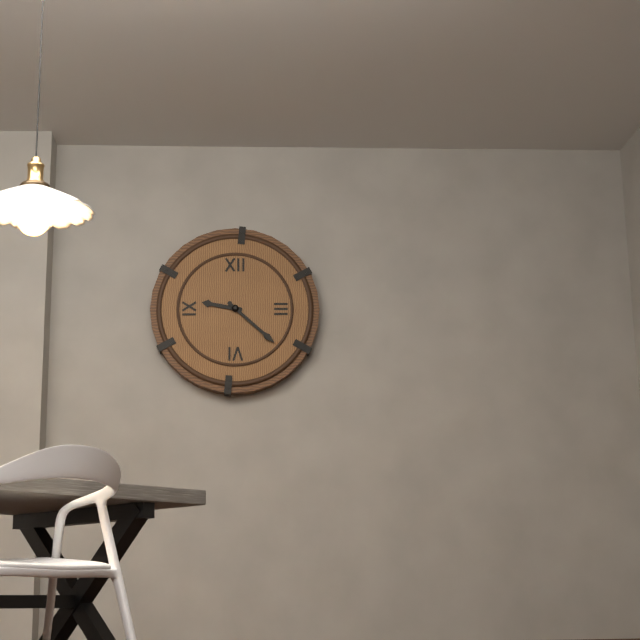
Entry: h=9 m=22
